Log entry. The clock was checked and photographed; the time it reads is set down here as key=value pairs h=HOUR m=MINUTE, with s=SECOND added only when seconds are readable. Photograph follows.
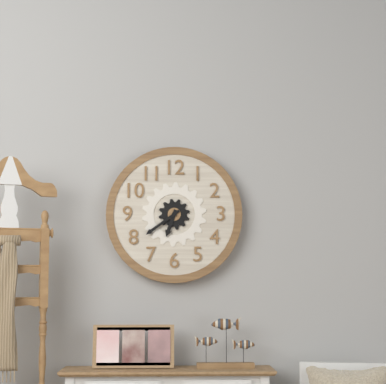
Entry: h=6 m=39
